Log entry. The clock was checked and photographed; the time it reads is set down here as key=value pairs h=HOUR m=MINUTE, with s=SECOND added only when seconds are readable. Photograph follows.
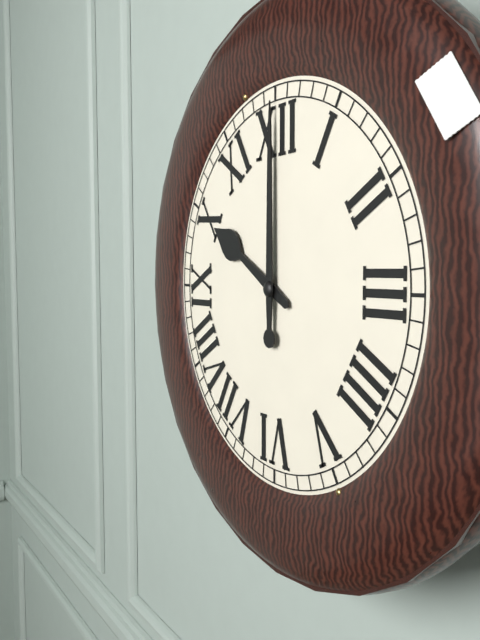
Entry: h=10 m=0
